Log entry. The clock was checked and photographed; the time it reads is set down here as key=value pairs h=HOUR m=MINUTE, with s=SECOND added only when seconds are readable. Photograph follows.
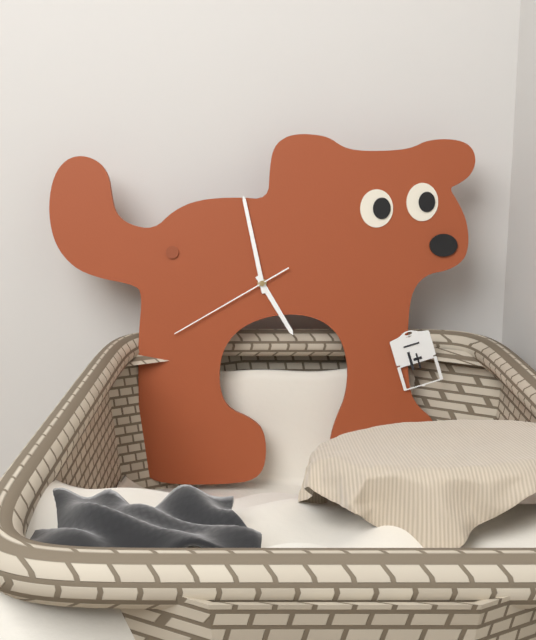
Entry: h=4 m=58 s=40
